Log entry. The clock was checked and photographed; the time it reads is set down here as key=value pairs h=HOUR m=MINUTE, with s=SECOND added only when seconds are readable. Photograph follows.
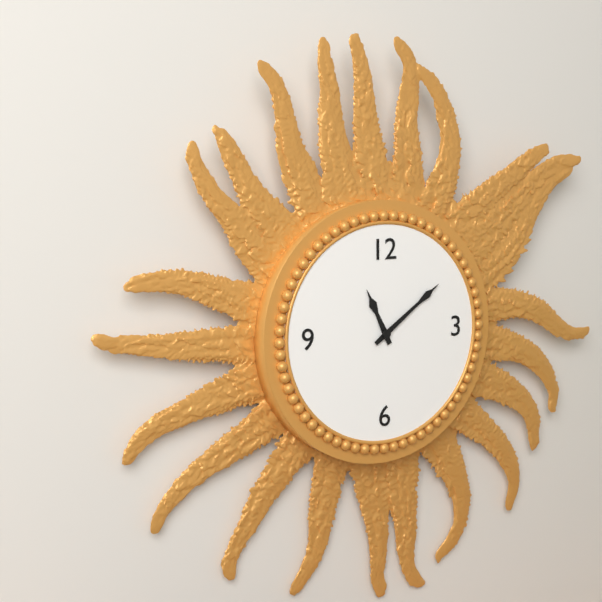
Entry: h=11 m=9
